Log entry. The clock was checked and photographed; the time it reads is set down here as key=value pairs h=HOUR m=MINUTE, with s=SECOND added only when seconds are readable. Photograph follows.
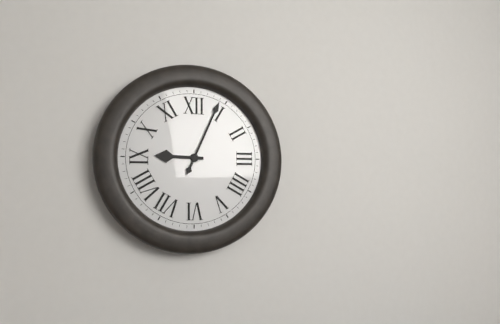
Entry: h=9 m=4
